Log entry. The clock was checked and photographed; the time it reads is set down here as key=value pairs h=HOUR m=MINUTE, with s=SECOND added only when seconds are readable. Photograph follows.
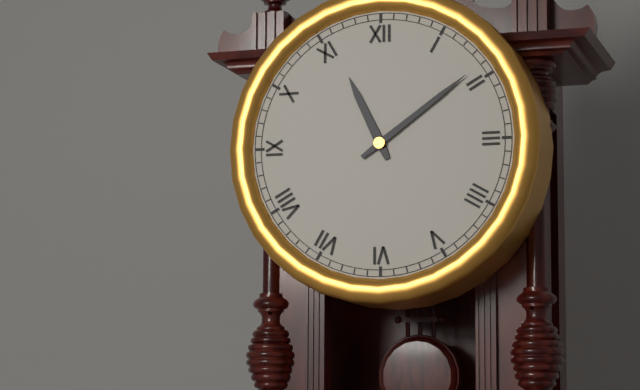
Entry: h=11 m=9
